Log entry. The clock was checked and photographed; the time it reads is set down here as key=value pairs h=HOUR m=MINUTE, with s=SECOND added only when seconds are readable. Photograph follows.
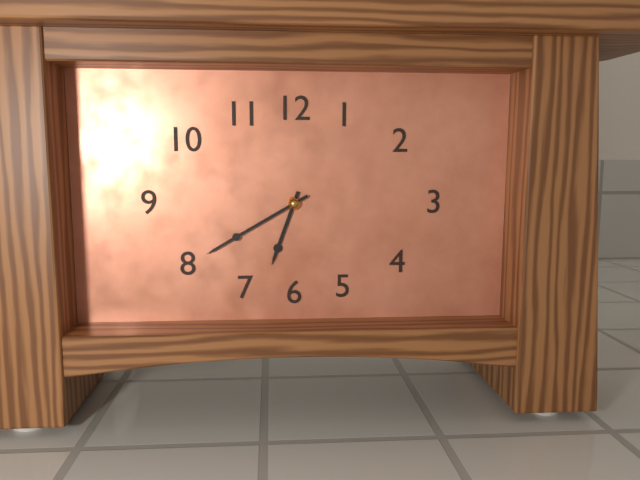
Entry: h=6 m=40
